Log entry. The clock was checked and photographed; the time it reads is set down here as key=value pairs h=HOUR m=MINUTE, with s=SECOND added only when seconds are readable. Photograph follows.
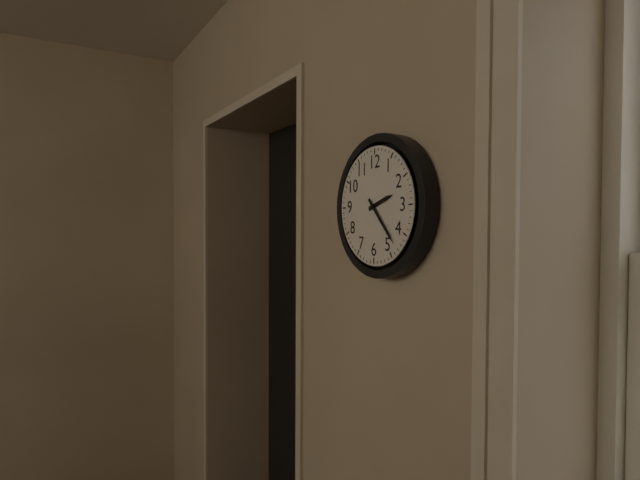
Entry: h=2 m=23
